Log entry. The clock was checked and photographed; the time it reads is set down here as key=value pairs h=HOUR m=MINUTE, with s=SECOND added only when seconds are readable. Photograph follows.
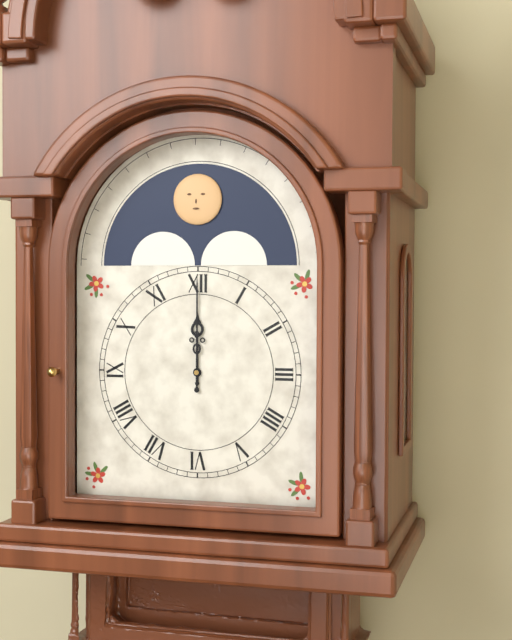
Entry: h=12 m=0
